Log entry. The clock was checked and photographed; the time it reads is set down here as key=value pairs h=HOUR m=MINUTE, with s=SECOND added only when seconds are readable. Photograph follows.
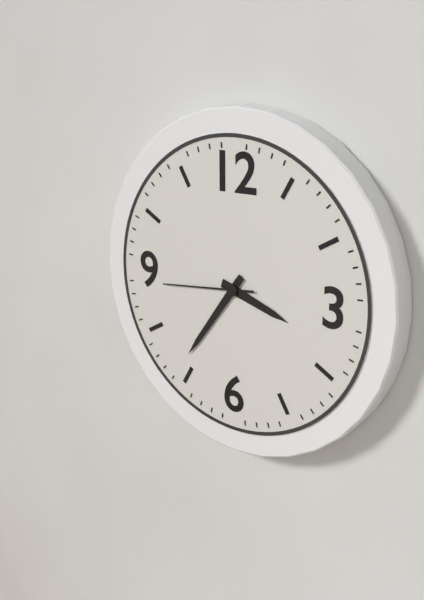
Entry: h=3 m=36 s=44
